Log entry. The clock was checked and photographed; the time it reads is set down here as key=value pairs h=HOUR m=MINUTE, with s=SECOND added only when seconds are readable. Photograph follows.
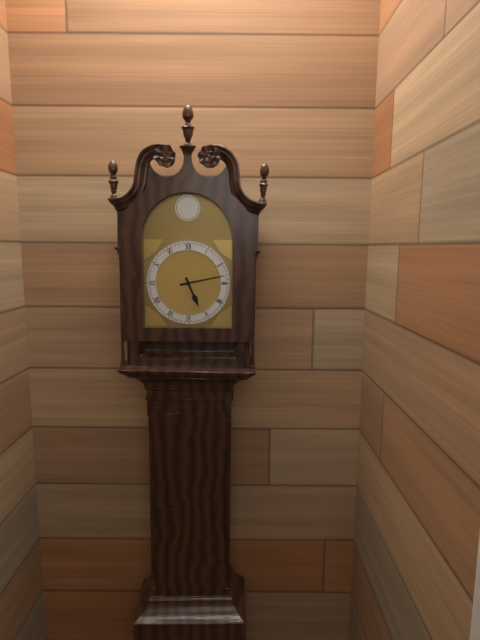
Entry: h=5 m=13
